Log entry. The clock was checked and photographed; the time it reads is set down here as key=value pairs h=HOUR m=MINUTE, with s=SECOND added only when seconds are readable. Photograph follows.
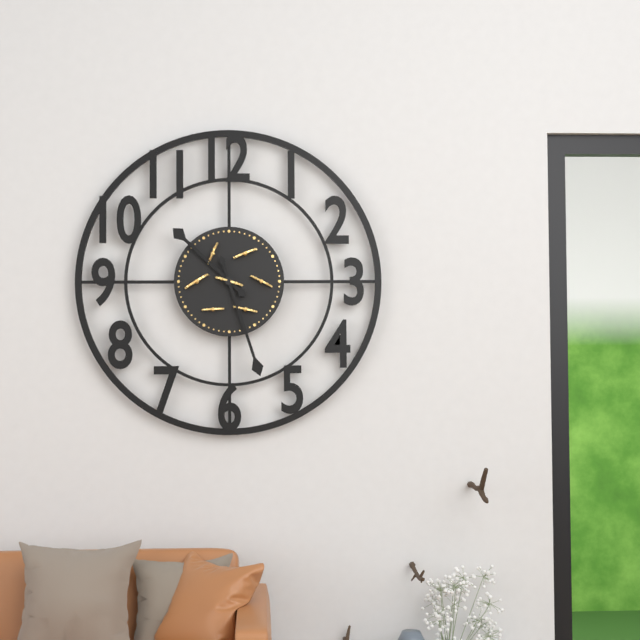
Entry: h=10 m=27
